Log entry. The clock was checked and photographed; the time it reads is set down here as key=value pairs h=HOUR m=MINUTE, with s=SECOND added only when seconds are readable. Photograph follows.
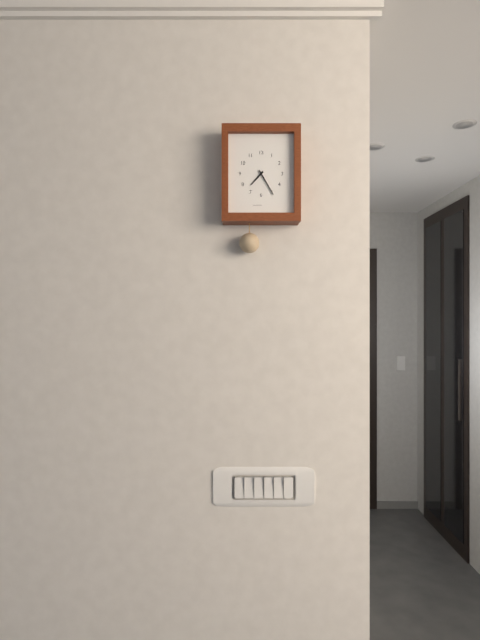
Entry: h=7 m=25
